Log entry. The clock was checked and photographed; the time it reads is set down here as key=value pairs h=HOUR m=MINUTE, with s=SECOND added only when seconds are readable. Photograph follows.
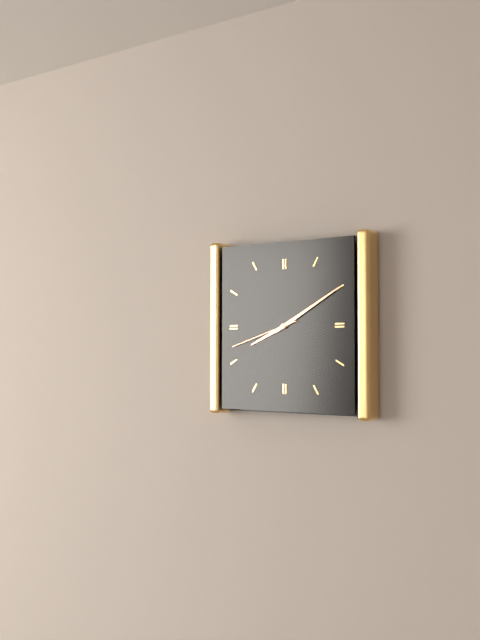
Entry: h=8 m=10 s=42
